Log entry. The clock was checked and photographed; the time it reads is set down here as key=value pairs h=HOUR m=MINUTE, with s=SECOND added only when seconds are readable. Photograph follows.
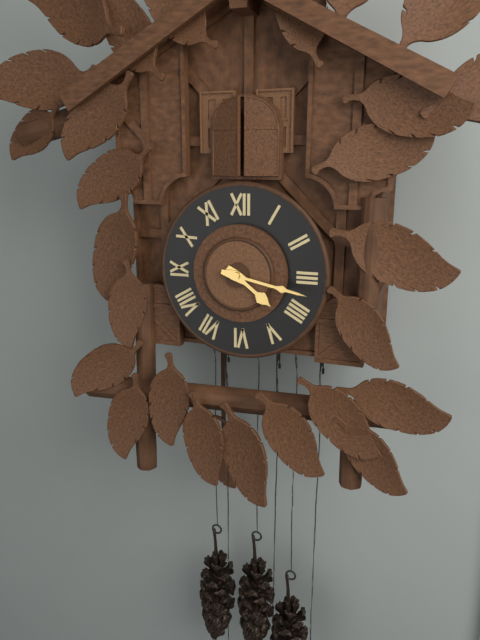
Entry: h=4 m=17
